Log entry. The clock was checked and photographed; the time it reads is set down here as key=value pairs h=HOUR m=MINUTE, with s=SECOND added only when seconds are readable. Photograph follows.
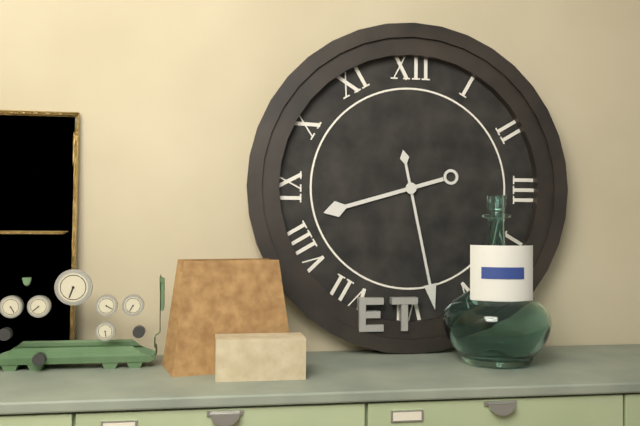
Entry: h=8 m=28
